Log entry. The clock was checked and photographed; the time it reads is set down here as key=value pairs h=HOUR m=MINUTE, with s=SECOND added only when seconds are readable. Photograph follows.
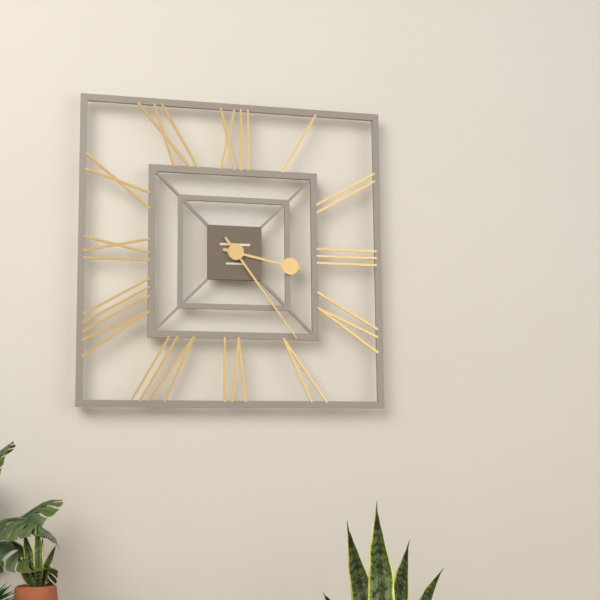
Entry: h=3 m=24
